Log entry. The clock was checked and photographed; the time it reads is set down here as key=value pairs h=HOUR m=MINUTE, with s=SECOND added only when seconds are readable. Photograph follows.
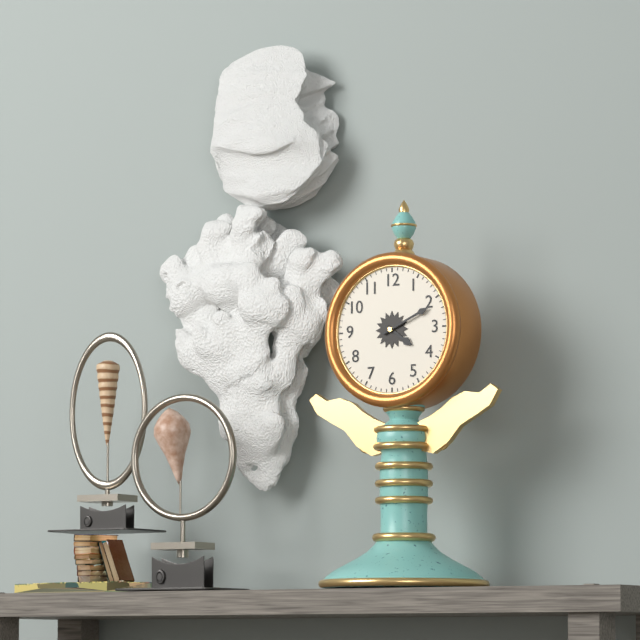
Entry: h=4 m=11
